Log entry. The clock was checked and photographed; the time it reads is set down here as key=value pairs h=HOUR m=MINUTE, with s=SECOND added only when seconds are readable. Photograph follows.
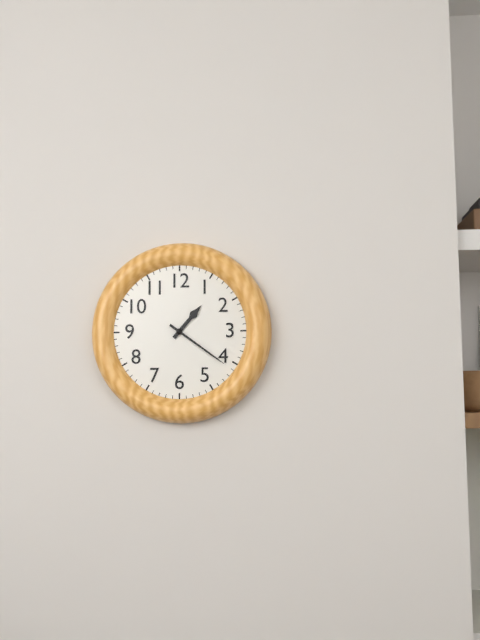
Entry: h=1 m=21
